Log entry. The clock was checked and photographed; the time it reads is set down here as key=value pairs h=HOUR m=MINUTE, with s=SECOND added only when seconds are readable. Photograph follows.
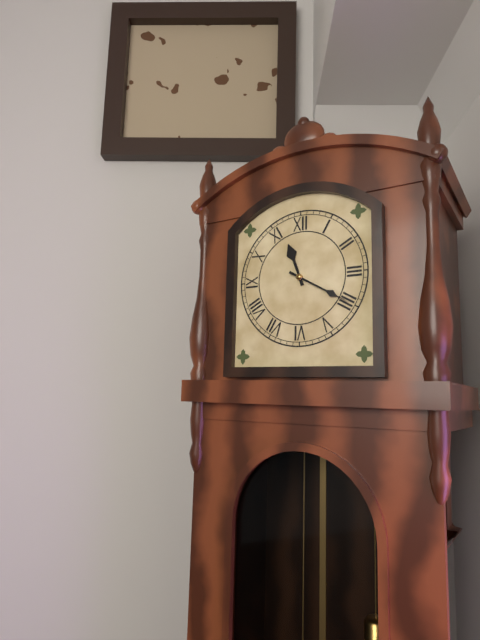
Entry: h=11 m=20
